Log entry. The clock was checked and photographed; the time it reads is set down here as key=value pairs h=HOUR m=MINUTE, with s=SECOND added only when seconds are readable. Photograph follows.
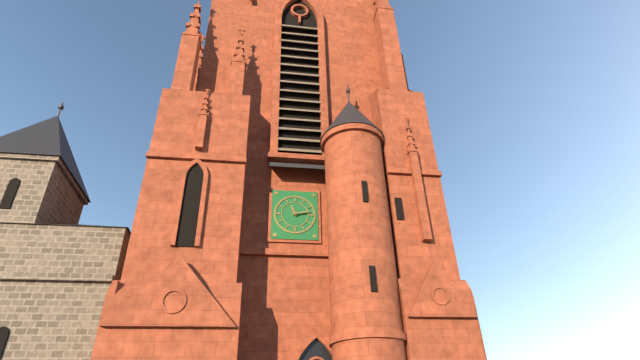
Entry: h=11 m=13
